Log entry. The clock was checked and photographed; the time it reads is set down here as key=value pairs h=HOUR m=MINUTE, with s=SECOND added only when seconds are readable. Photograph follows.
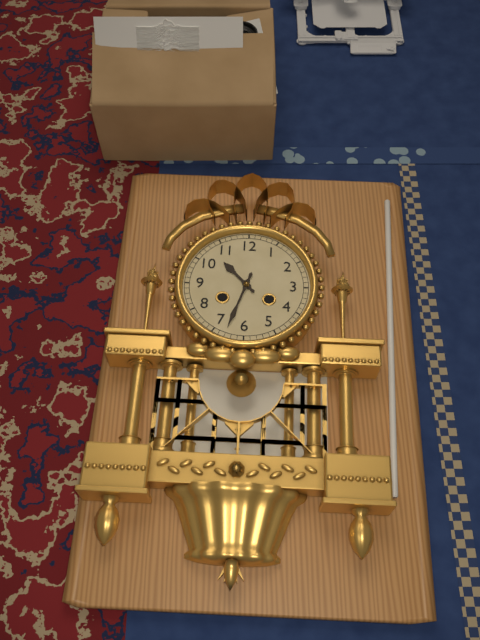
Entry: h=10 m=33
